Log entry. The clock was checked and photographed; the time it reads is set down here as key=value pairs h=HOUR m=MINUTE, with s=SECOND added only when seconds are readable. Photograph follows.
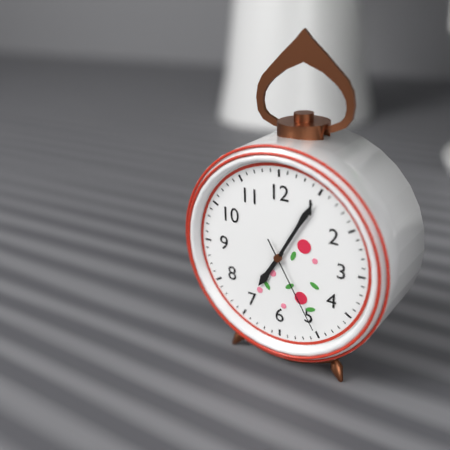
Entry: h=7 m=5 s=25
